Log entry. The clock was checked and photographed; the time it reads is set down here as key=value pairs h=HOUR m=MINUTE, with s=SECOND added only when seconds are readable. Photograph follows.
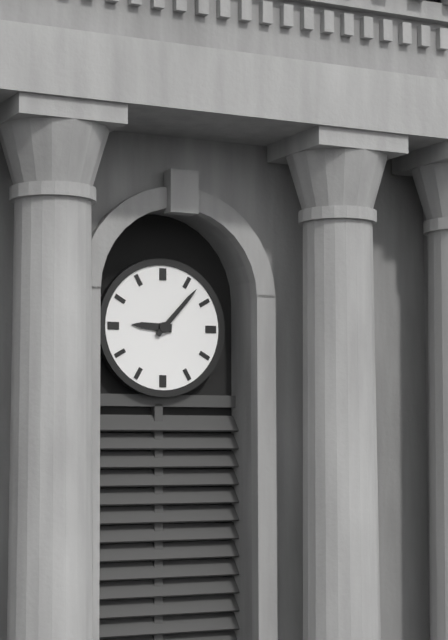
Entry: h=9 m=7
